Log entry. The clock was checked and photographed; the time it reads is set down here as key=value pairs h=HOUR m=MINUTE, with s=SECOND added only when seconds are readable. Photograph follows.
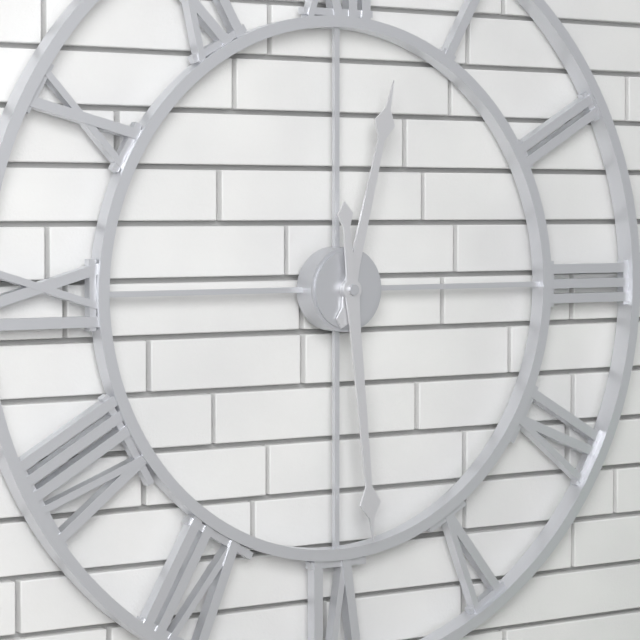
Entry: h=12 m=29
